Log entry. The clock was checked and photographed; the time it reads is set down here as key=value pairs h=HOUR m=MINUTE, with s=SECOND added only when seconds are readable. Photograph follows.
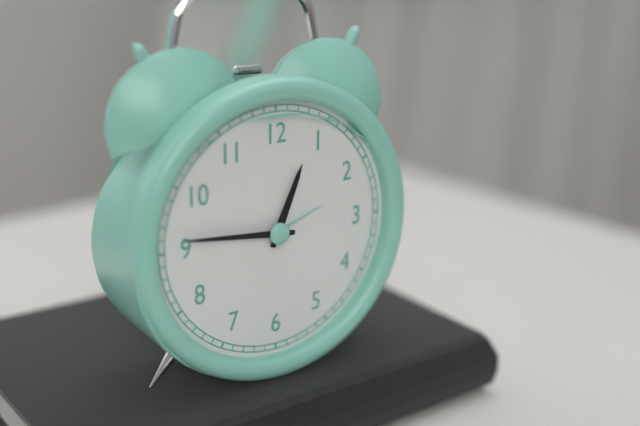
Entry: h=12 m=46
